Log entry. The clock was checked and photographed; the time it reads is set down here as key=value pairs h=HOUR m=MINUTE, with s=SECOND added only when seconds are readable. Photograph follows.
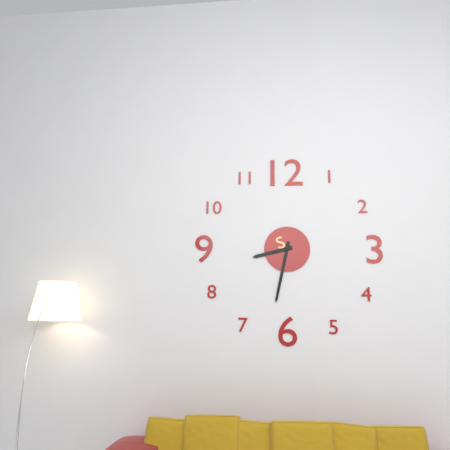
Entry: h=8 m=32
